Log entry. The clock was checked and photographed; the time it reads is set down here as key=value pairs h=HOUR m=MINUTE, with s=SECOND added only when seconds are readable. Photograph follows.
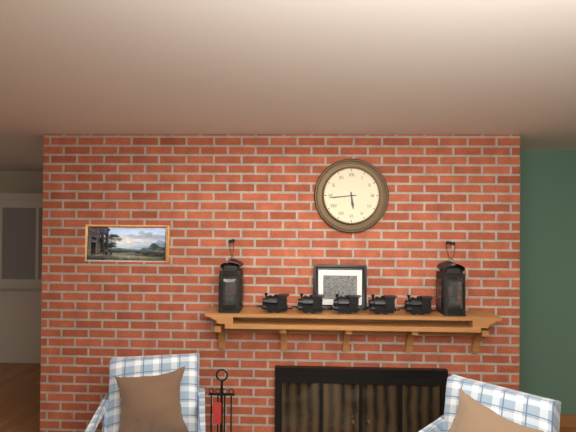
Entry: h=5 m=44
